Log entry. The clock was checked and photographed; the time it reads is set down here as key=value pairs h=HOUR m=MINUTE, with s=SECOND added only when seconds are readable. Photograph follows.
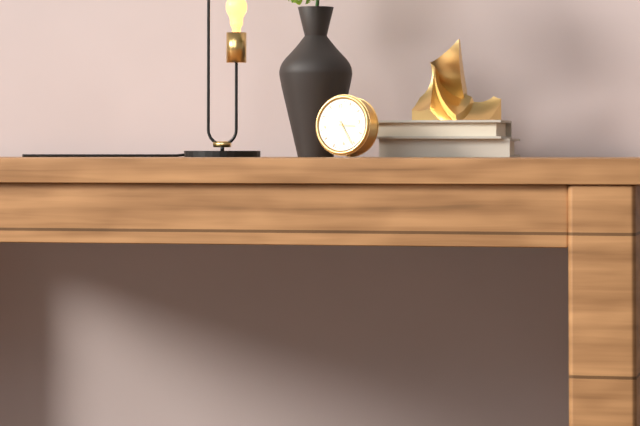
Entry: h=3 m=26
